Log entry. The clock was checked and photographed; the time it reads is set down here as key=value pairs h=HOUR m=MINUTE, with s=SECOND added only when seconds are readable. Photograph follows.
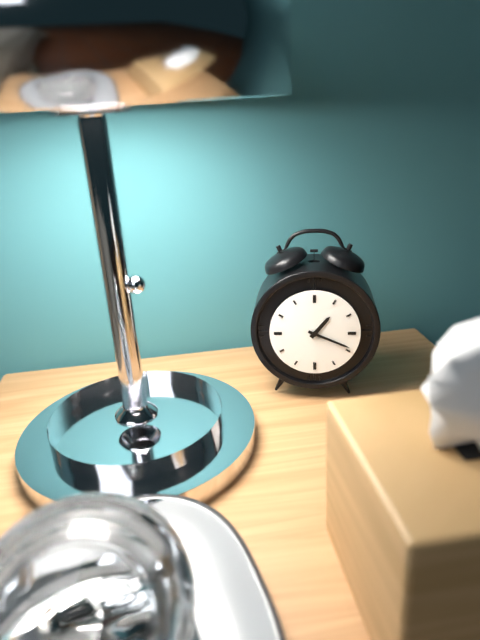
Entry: h=1 m=19
